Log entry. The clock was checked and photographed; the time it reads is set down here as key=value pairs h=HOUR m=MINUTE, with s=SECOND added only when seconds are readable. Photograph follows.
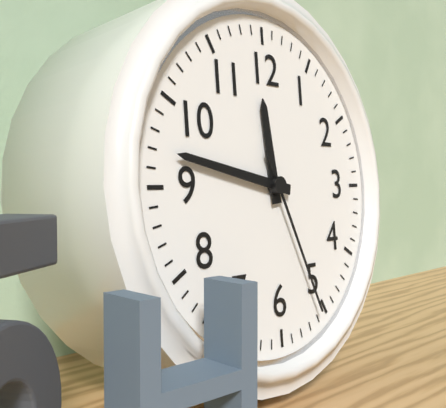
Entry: h=11 m=47 s=26
